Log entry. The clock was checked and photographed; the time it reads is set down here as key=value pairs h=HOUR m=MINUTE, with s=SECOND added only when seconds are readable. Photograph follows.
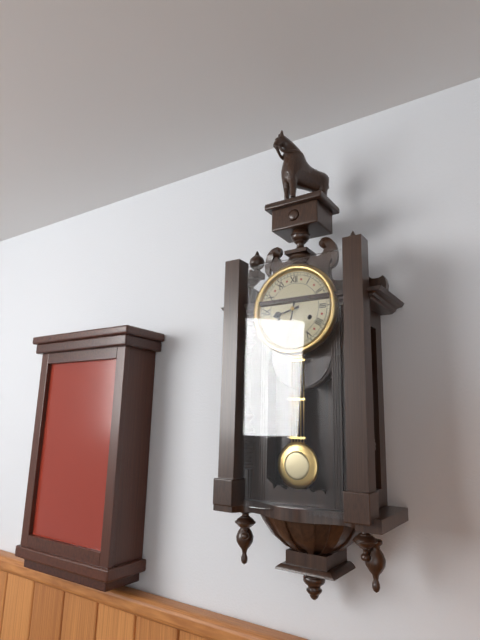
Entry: h=8 m=32
